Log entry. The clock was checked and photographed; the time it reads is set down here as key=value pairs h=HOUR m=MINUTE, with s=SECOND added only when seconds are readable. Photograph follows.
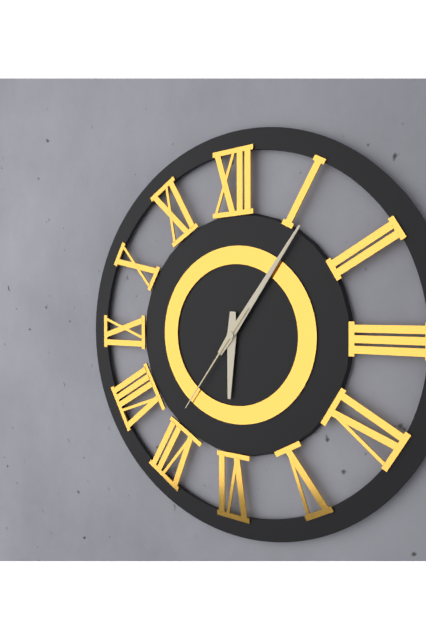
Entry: h=6 m=6 s=36
